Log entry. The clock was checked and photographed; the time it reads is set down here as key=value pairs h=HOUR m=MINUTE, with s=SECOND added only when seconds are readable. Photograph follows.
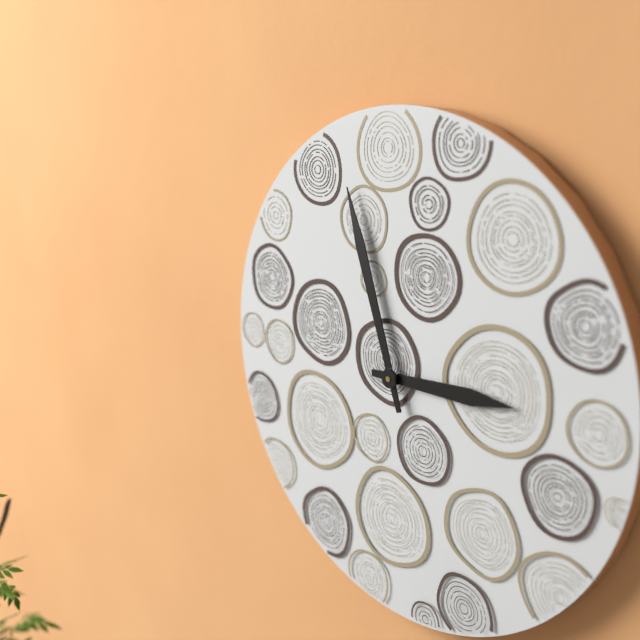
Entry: h=2 m=57
